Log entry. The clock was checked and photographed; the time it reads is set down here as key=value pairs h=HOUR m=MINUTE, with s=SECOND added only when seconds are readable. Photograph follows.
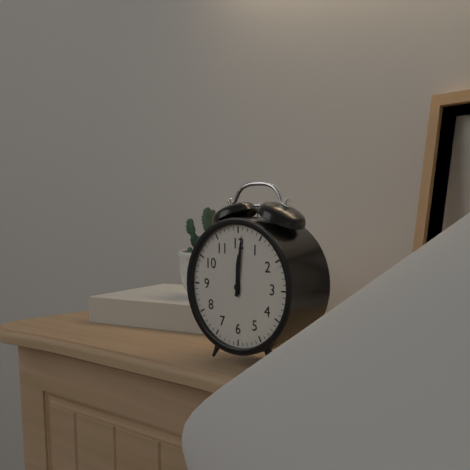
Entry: h=12 m=1
